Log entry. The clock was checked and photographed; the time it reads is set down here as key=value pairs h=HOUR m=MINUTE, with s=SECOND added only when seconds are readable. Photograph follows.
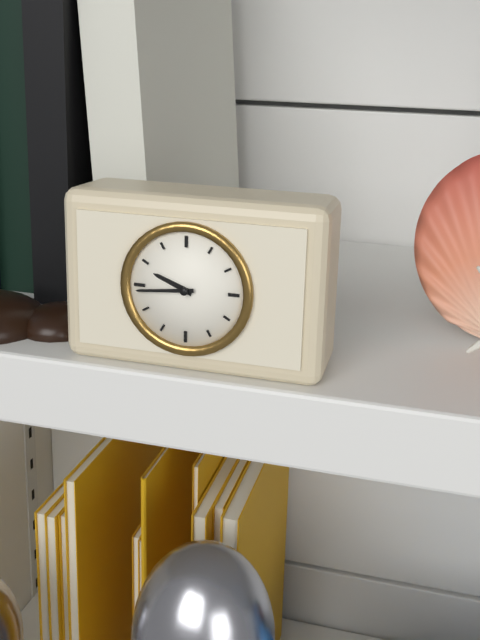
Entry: h=9 m=44
